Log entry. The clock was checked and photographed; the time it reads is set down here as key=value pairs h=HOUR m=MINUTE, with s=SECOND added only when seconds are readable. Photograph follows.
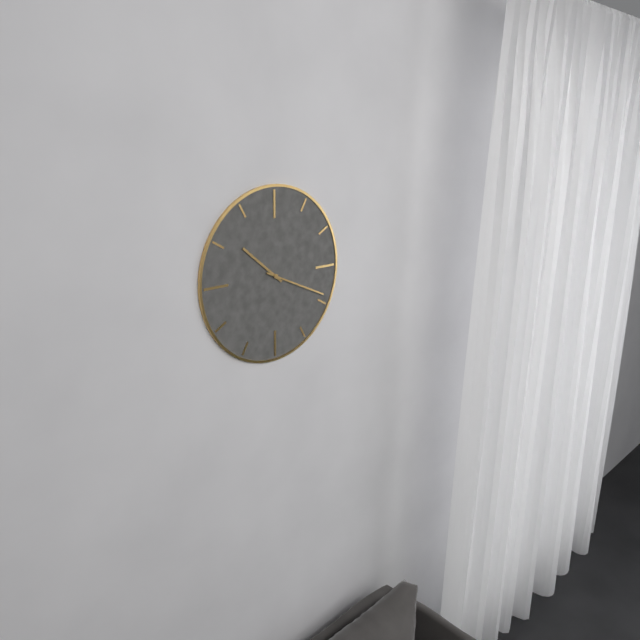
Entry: h=10 m=19
